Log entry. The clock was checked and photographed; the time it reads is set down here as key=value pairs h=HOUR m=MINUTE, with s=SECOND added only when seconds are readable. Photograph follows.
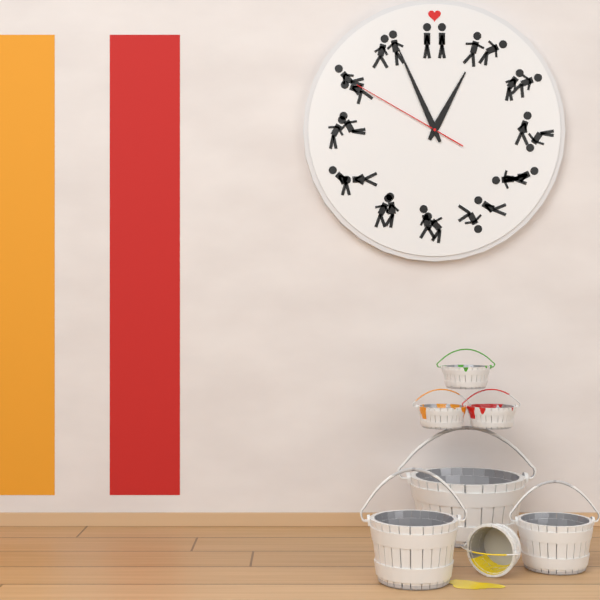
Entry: h=12 m=56 s=50
